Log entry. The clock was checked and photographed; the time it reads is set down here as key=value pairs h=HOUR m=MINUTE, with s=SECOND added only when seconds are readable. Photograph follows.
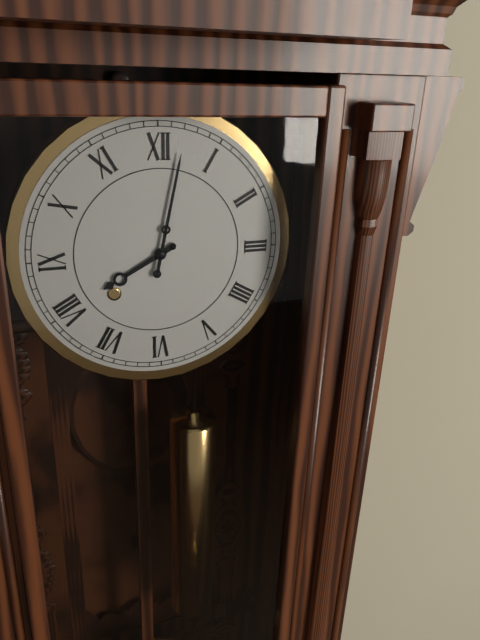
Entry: h=8 m=2
